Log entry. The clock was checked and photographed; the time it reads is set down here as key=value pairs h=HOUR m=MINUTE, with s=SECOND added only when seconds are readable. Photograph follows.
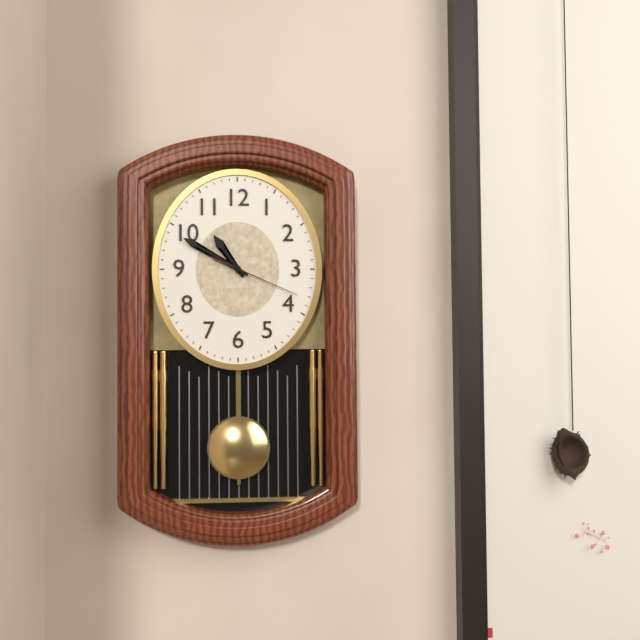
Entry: h=10 m=50 s=19
